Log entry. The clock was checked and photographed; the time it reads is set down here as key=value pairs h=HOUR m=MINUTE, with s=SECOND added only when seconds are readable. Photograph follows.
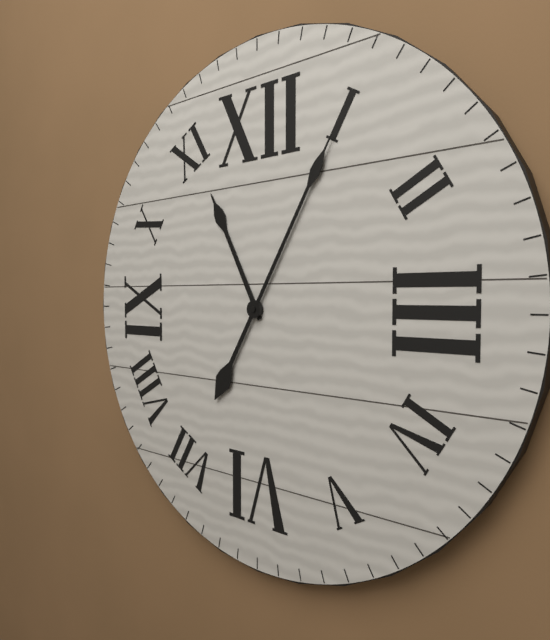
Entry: h=11 m=5
